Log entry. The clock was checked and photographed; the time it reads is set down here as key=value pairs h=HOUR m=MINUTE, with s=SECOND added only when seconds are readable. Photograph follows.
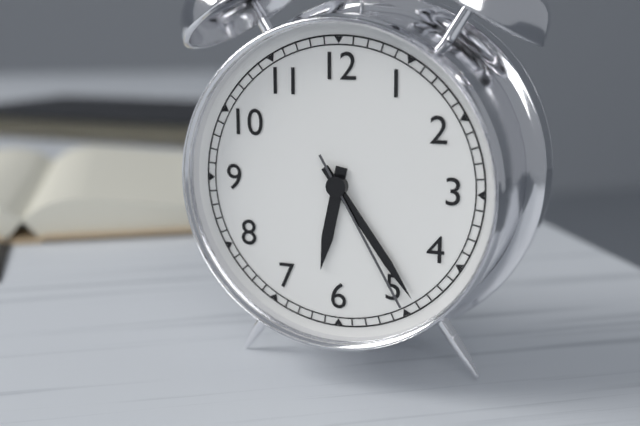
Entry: h=6 m=24 s=25
